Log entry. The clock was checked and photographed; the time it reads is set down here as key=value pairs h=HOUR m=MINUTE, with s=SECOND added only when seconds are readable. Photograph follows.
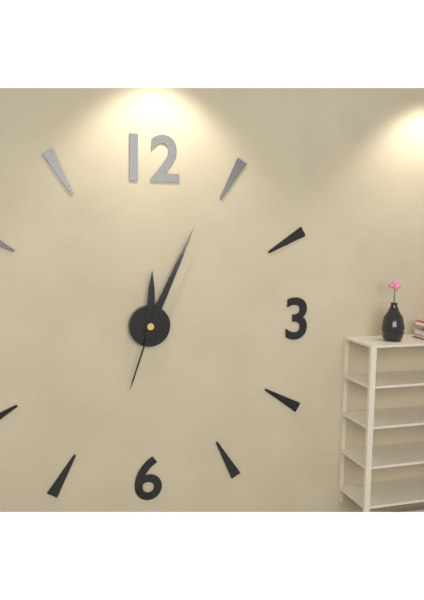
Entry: h=12 m=4 s=33
